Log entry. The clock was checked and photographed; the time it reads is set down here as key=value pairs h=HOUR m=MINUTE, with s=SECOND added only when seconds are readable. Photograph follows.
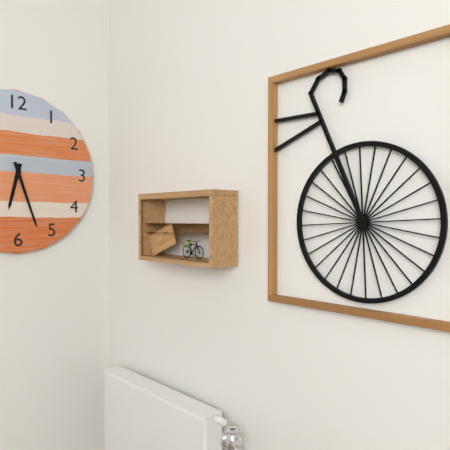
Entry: h=6 m=27
